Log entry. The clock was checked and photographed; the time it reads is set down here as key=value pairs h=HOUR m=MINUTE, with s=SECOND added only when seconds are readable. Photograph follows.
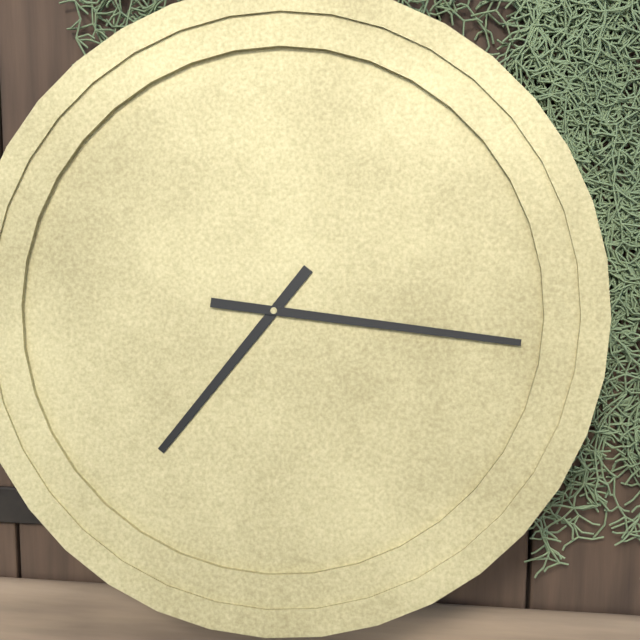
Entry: h=7 m=16
